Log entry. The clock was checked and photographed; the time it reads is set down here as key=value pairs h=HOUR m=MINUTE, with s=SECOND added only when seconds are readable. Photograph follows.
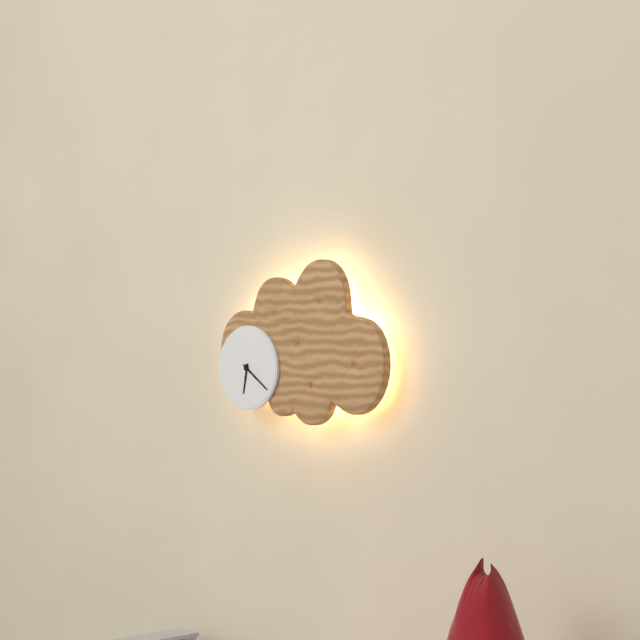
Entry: h=6 m=21
